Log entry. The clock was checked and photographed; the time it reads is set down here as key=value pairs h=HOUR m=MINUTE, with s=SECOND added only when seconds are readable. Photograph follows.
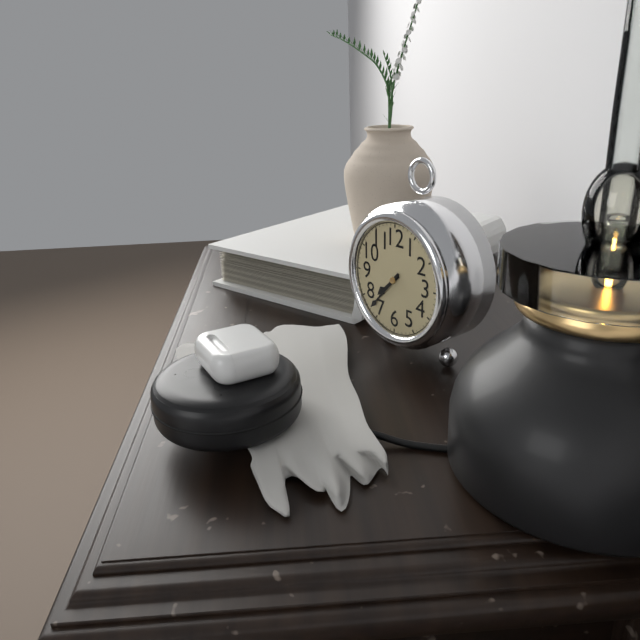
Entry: h=7 m=37
